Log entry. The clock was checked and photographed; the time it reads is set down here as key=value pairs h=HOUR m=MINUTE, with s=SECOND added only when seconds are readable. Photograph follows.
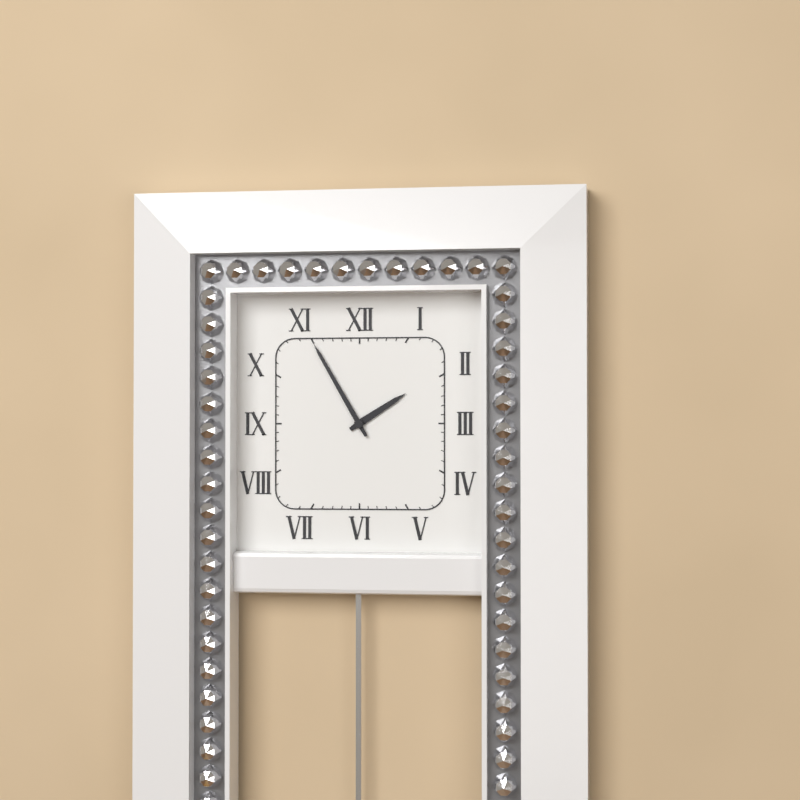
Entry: h=1 m=55
